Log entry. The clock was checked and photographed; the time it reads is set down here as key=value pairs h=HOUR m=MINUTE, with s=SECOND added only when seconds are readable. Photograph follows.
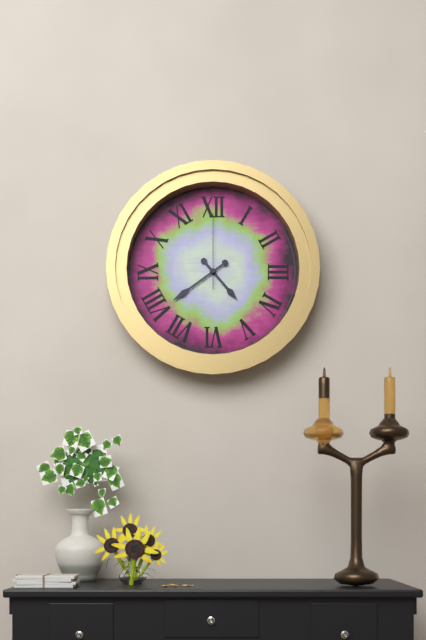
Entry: h=4 m=39 s=0
